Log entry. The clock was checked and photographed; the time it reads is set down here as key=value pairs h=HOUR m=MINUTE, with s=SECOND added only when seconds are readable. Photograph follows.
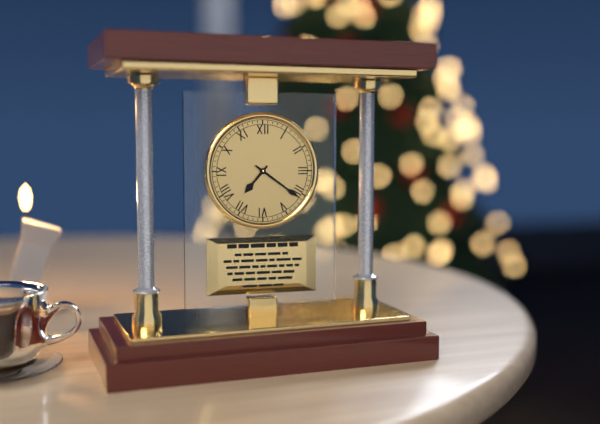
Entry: h=7 m=21
